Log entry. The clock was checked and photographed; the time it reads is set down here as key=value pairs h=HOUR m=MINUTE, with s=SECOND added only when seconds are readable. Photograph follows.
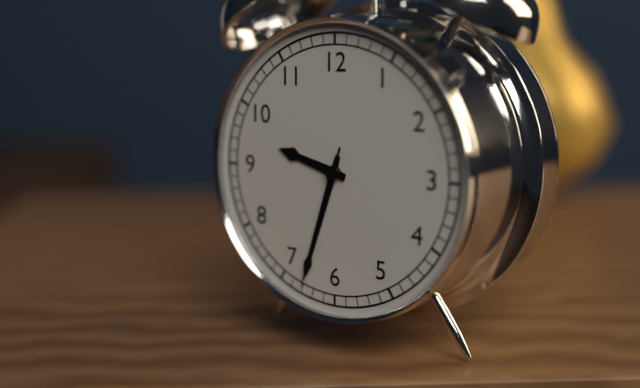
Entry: h=9 m=33 s=33
